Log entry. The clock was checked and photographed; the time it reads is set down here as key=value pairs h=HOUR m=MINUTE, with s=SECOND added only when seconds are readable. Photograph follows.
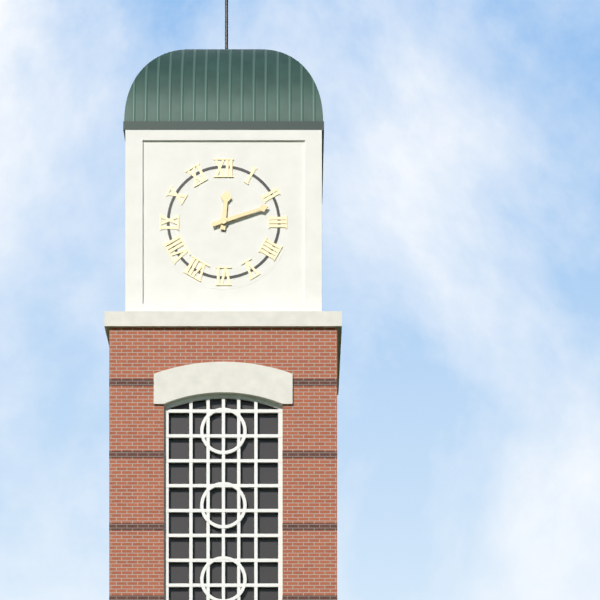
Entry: h=12 m=12
